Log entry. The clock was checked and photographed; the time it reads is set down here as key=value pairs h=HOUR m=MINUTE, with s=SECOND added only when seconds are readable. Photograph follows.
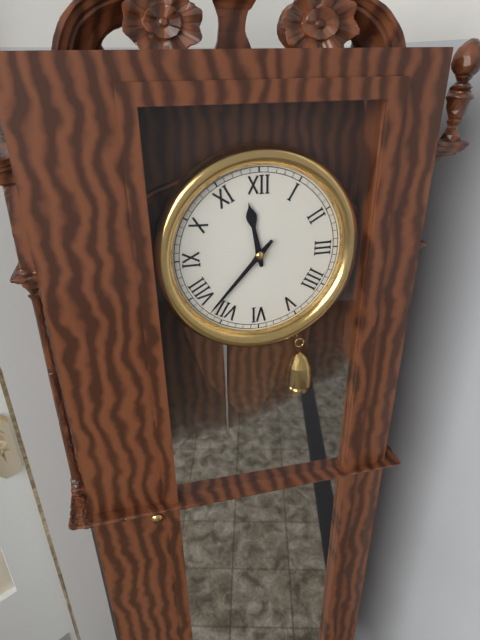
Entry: h=11 m=37
